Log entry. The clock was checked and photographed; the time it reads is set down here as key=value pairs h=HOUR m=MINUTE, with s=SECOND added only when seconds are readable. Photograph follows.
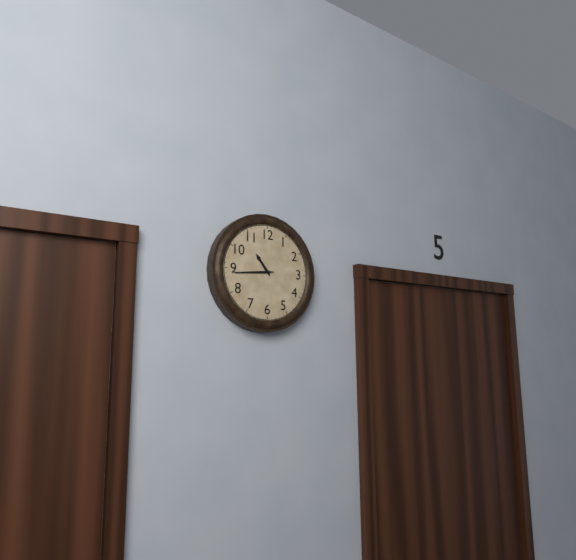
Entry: h=10 m=44
